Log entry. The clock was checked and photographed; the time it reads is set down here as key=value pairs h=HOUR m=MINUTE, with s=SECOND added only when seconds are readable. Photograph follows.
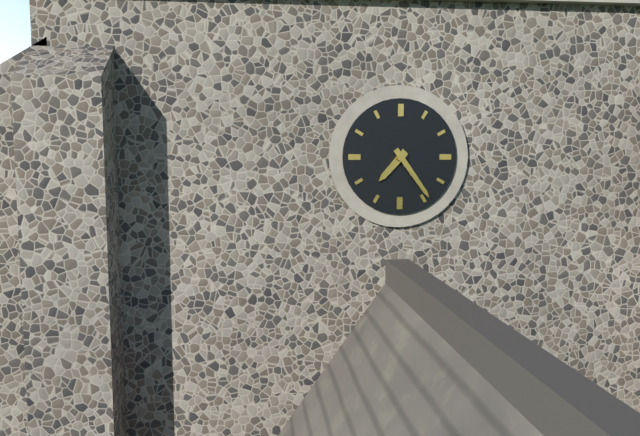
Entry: h=7 m=24
